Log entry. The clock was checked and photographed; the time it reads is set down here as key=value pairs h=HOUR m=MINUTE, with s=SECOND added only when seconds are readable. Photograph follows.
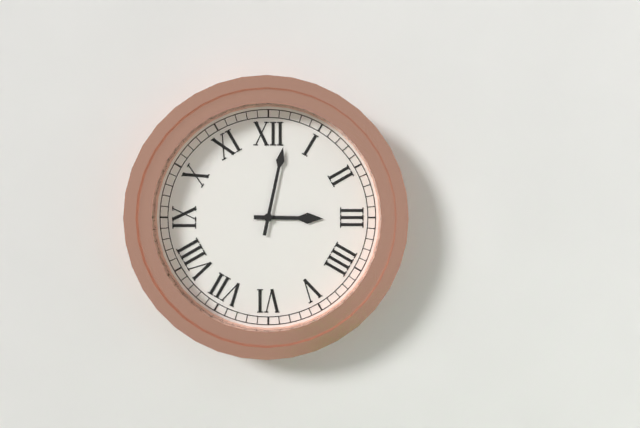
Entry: h=3 m=2
